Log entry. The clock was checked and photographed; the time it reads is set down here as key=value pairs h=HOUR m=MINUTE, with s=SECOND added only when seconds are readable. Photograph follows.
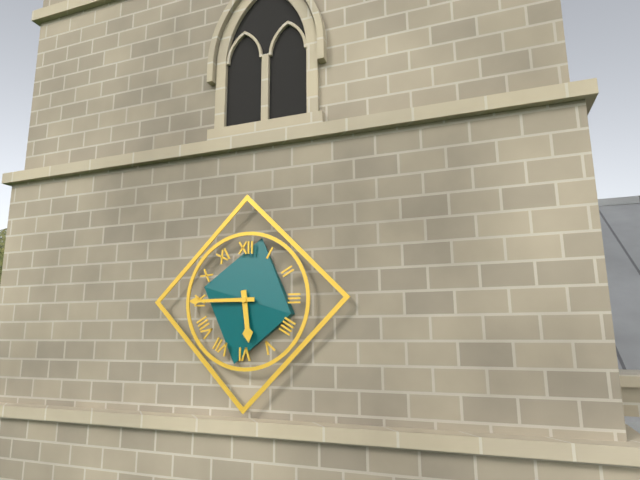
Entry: h=5 m=45
